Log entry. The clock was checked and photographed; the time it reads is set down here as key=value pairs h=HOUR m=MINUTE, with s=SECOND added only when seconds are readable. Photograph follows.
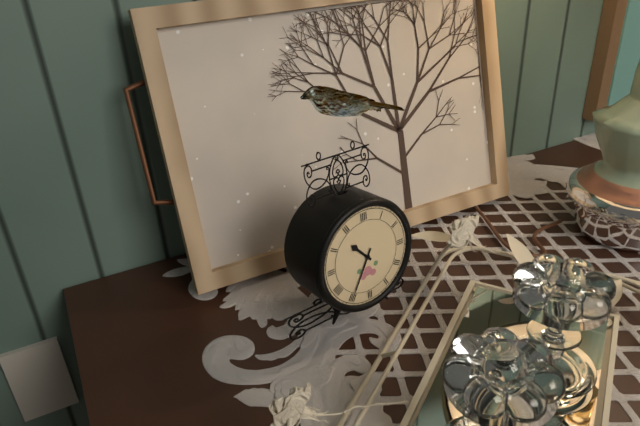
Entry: h=10 m=35
